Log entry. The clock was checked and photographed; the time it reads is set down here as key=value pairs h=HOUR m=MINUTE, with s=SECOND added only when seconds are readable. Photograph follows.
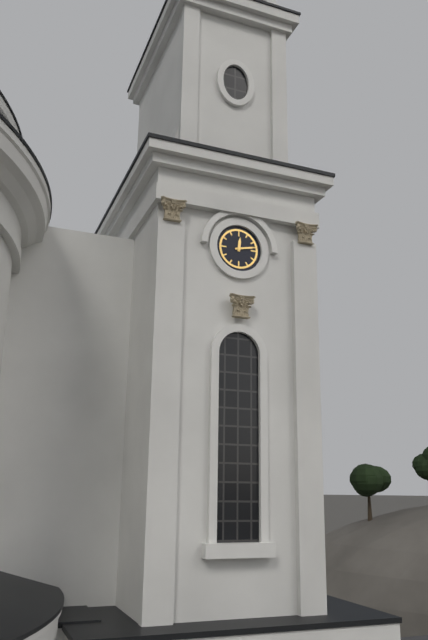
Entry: h=12 m=13
